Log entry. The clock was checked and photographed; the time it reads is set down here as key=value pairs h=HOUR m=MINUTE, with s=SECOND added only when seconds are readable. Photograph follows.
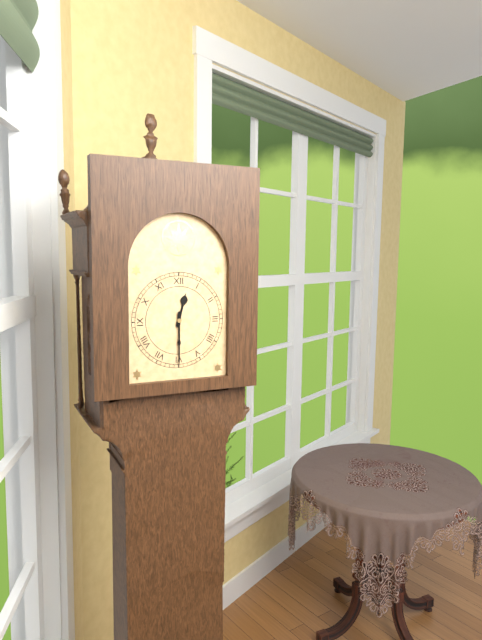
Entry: h=12 m=30
